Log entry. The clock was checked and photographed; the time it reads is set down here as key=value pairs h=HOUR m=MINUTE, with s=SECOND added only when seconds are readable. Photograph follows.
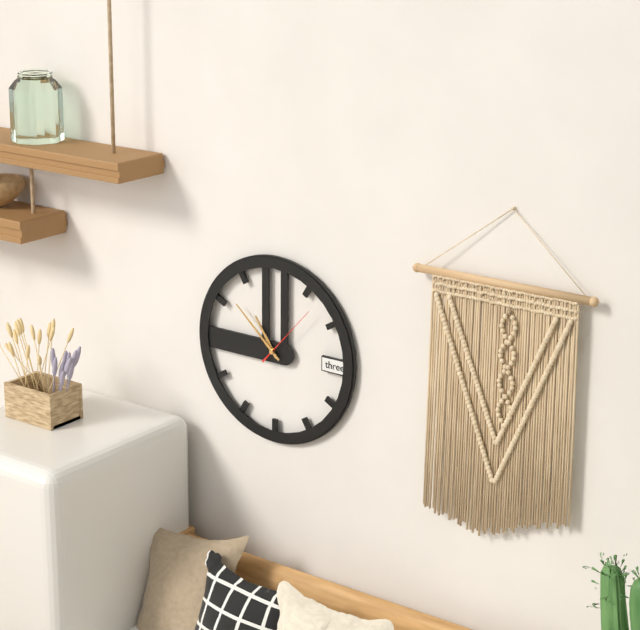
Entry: h=10 m=52 s=7
